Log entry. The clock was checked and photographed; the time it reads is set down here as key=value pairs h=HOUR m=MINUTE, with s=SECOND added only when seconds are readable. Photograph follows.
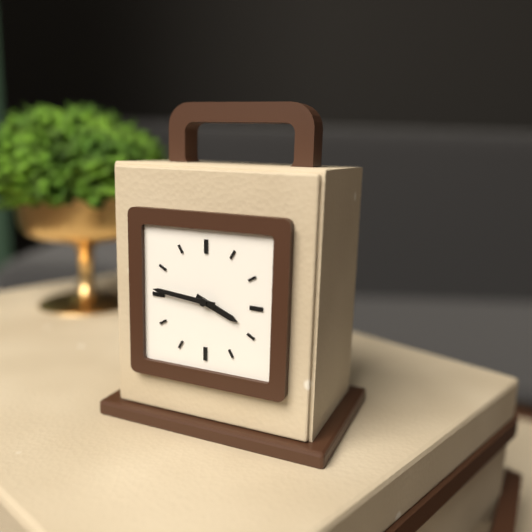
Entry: h=3 m=46
